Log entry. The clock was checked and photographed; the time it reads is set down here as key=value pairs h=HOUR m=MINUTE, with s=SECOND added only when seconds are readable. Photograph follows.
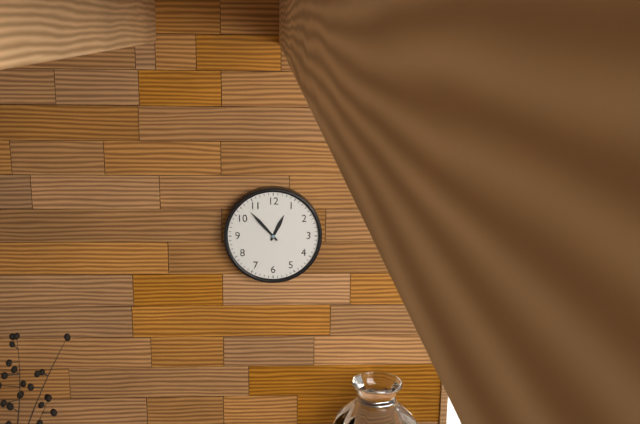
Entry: h=12 m=53
